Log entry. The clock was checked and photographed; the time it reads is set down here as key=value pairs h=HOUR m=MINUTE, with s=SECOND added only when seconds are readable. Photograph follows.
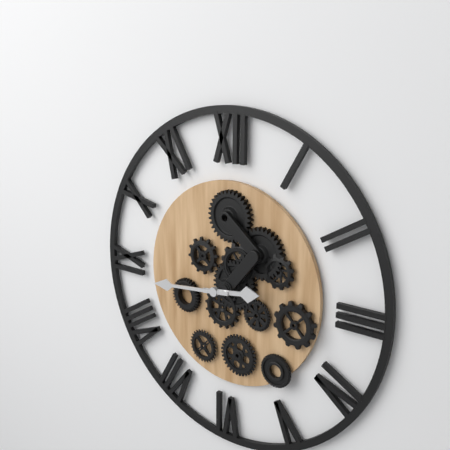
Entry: h=2 m=44
